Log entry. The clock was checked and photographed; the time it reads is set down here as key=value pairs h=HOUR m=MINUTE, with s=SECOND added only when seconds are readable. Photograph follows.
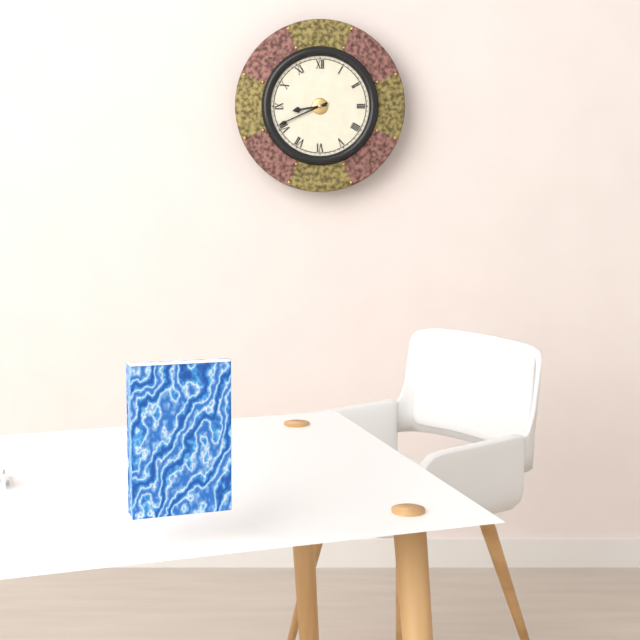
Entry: h=8 m=41
